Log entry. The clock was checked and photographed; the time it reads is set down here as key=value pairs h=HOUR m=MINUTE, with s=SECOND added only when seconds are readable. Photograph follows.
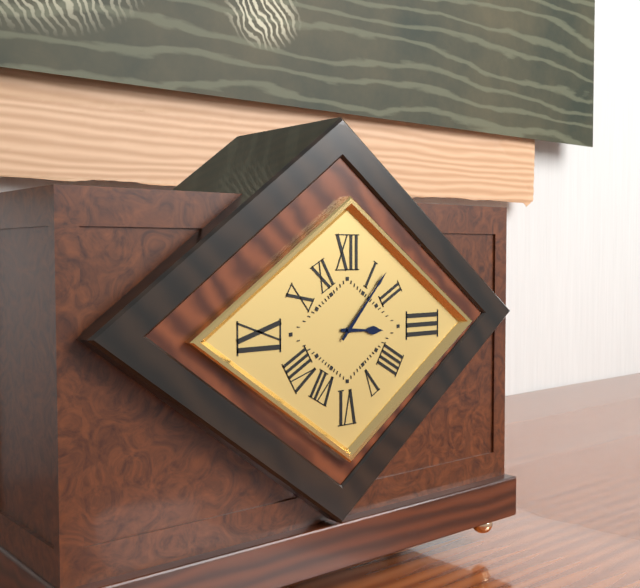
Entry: h=3 m=7
